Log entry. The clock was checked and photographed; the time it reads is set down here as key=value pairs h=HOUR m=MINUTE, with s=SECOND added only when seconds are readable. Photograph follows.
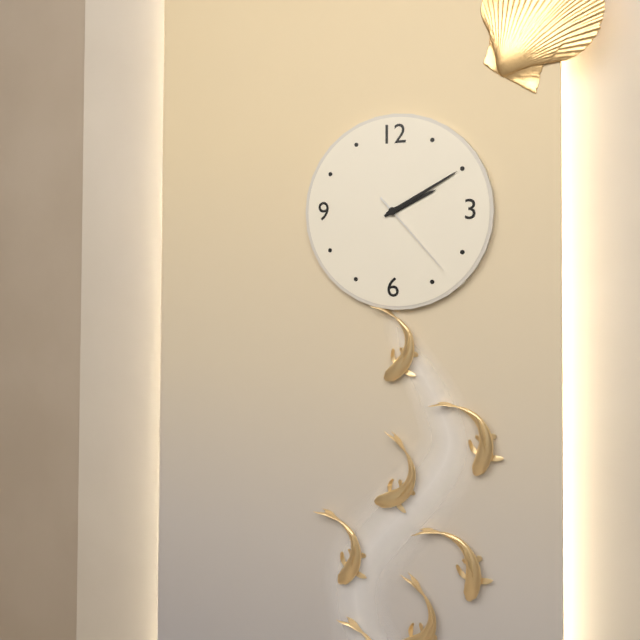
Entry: h=2 m=10 s=23
